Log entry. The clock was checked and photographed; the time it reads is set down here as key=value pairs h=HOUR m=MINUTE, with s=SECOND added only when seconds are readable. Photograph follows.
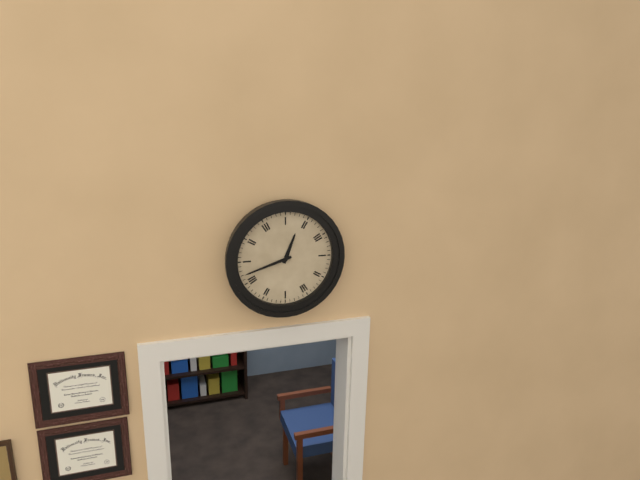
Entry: h=12 m=42
